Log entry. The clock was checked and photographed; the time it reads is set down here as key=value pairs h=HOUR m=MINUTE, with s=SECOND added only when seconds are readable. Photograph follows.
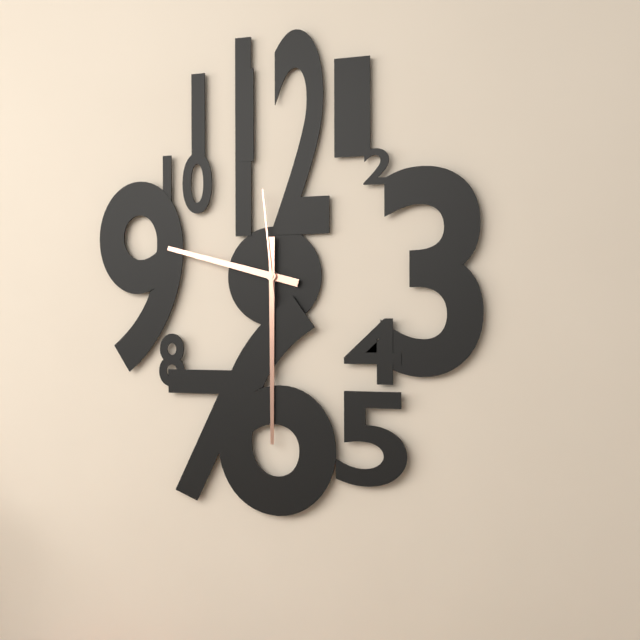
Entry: h=9 m=30 s=59
